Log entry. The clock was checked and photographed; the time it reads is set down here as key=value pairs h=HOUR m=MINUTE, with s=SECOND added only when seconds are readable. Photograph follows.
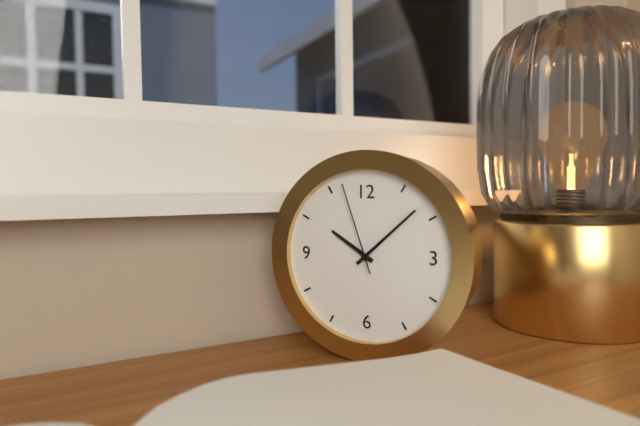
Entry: h=10 m=8 s=57
